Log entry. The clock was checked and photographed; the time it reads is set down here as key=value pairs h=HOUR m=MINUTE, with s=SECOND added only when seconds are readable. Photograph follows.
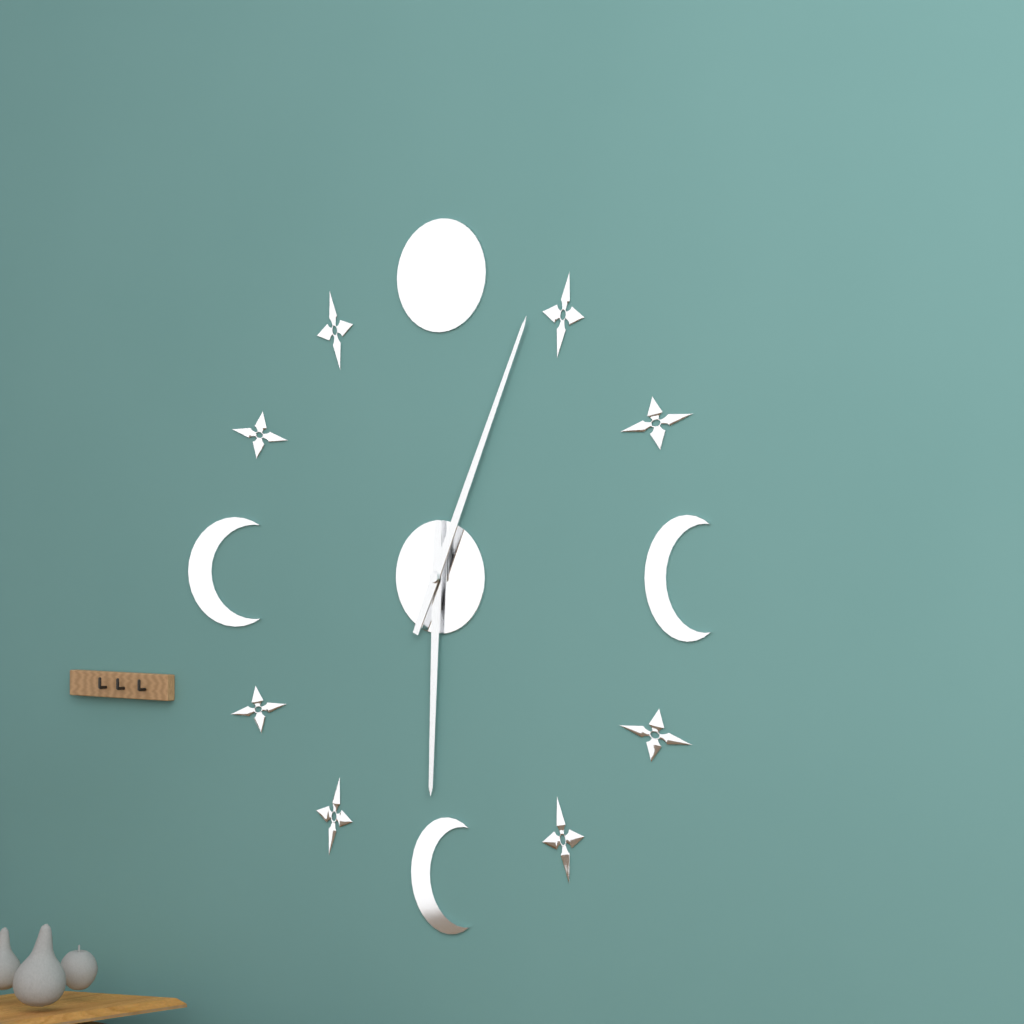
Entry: h=6 m=4
